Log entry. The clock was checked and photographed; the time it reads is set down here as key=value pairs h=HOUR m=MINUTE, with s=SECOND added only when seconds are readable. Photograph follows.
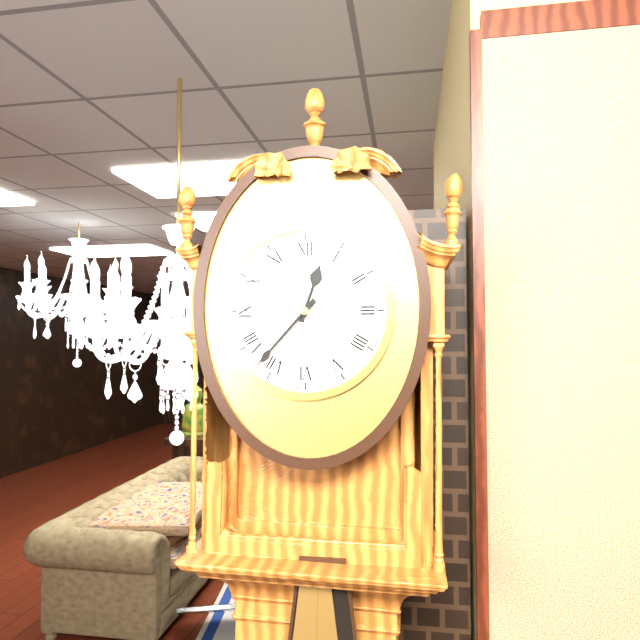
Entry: h=12 m=37
